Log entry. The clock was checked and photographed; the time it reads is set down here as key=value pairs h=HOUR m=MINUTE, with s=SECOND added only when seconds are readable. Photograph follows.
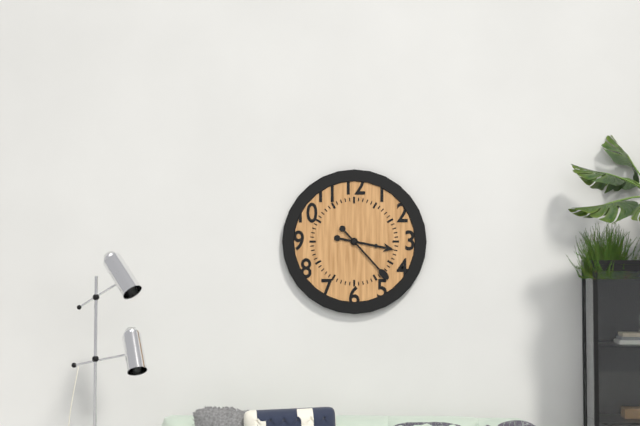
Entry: h=3 m=23
